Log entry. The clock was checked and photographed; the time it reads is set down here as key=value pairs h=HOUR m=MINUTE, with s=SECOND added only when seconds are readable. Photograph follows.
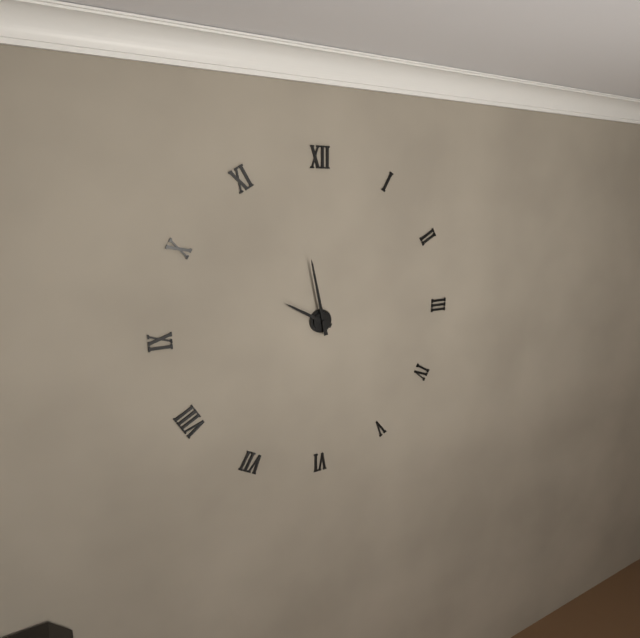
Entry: h=9 m=58
